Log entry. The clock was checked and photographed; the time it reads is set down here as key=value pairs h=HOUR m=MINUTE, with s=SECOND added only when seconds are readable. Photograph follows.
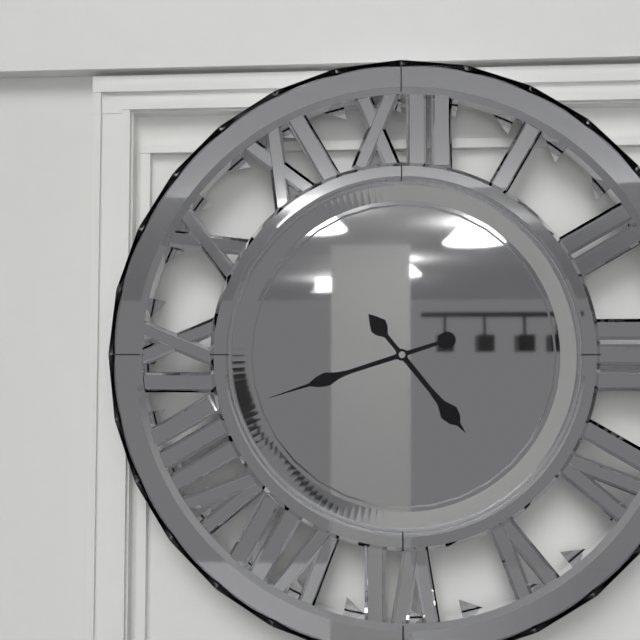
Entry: h=4 m=42
